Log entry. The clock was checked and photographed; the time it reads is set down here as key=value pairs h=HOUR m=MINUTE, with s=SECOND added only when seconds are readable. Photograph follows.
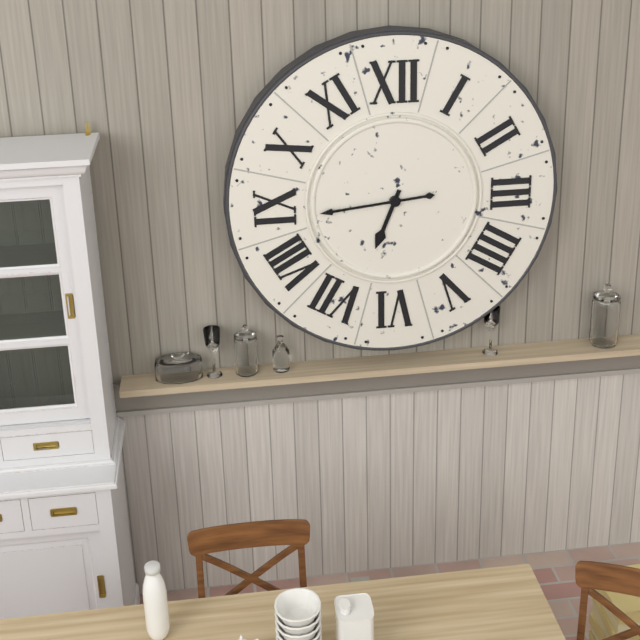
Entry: h=6 m=44
